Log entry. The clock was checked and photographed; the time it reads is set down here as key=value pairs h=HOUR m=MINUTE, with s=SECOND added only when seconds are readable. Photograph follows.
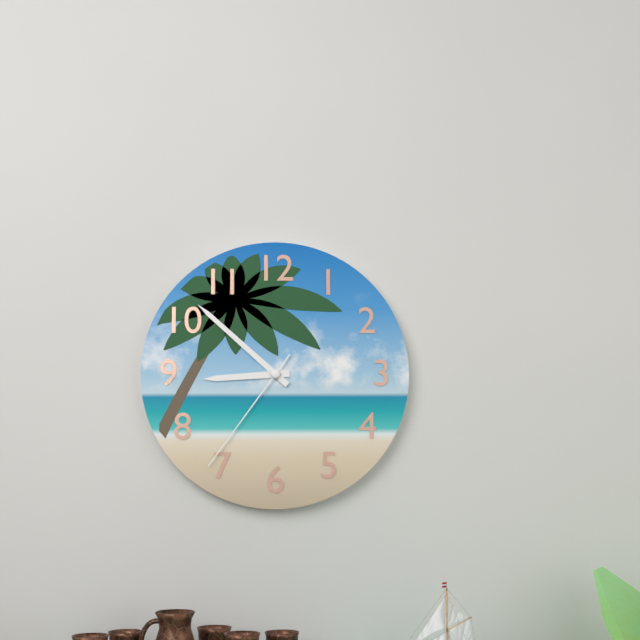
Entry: h=8 m=52 s=36
